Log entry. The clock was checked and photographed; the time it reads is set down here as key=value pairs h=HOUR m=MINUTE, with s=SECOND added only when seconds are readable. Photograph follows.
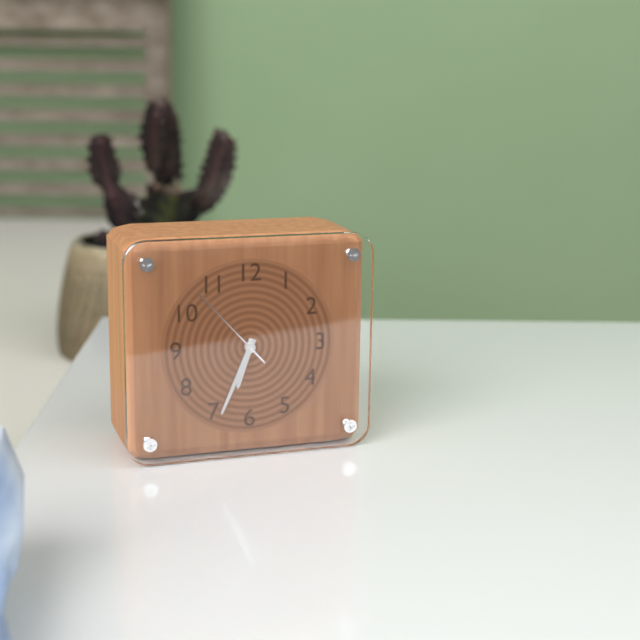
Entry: h=6 m=34 s=53
